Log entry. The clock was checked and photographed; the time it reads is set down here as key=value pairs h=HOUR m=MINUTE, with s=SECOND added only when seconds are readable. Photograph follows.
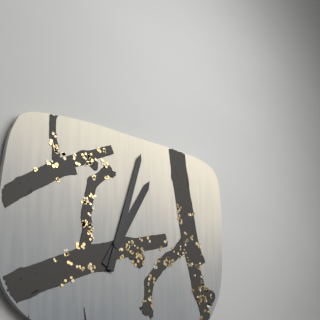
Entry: h=1 m=3
